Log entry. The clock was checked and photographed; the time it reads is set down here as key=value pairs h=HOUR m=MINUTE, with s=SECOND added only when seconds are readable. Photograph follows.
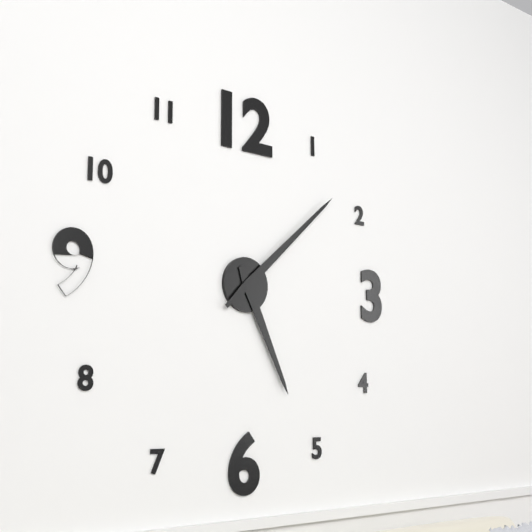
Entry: h=5 m=8
